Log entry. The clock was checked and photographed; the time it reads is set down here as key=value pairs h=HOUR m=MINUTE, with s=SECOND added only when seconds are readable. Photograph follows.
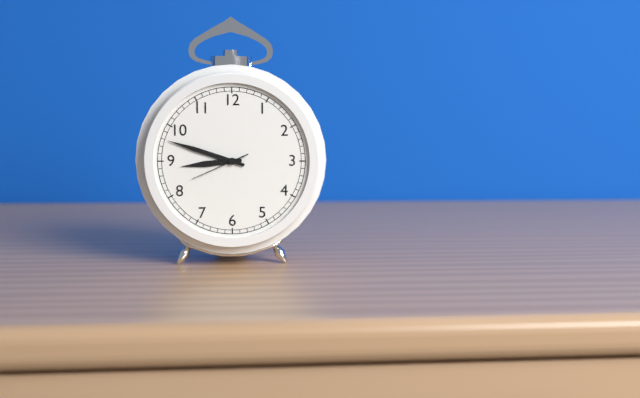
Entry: h=8 m=48 s=41
